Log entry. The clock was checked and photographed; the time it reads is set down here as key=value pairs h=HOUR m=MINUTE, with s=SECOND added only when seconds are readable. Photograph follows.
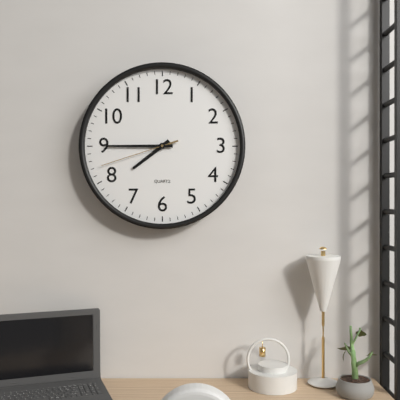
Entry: h=7 m=45 s=42
